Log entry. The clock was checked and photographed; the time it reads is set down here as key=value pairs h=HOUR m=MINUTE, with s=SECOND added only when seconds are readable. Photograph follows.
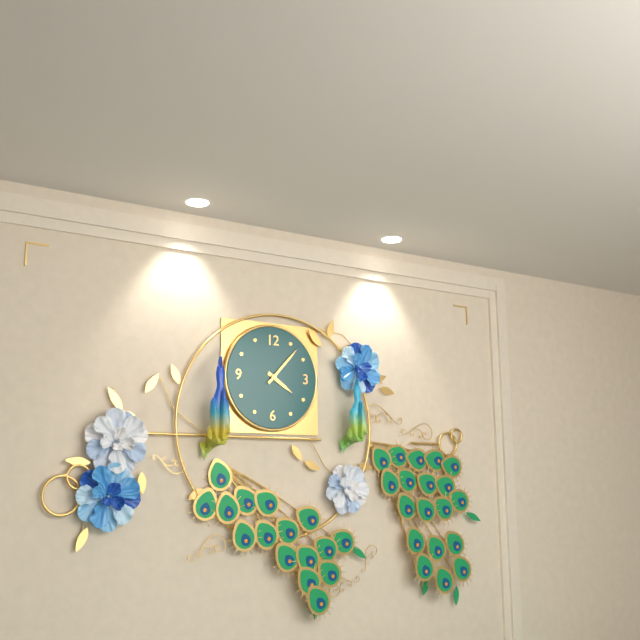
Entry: h=4 m=7
